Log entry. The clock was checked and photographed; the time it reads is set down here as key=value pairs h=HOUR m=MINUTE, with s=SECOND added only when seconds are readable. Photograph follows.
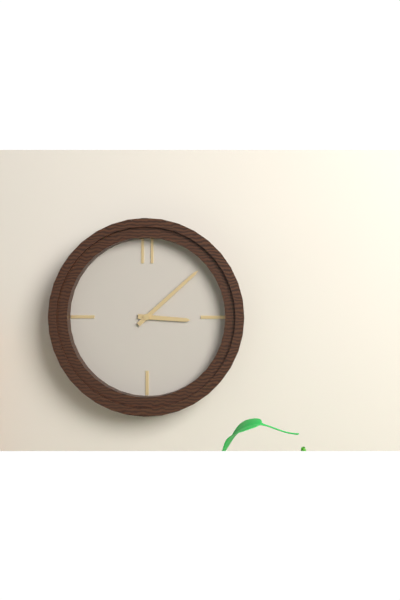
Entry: h=3 m=8
